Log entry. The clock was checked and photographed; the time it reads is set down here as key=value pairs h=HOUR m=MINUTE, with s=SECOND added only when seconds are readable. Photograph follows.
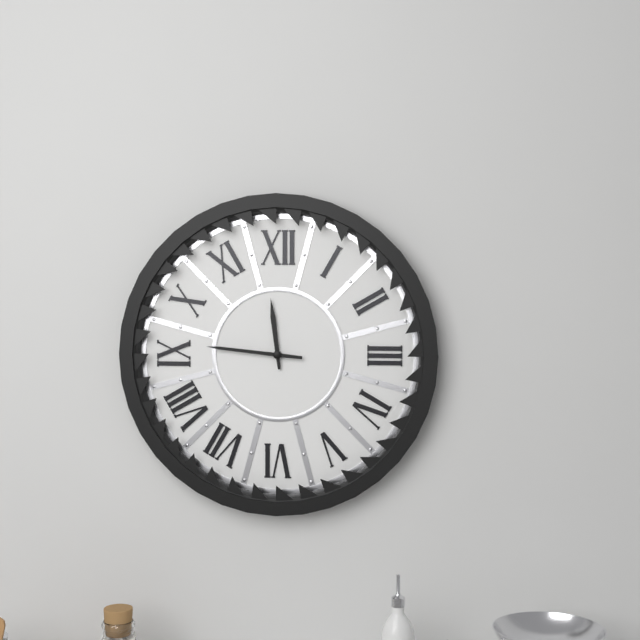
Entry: h=11 m=46
